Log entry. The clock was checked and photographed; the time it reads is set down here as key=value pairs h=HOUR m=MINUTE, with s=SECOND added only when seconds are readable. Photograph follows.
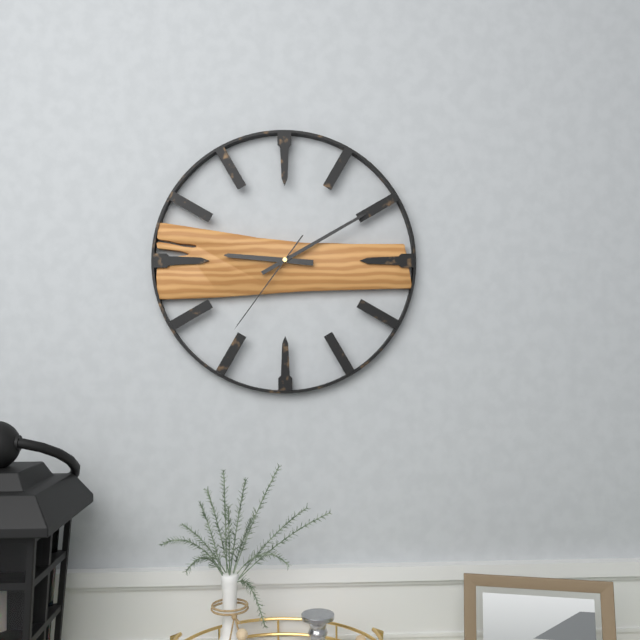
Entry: h=9 m=10 s=36
